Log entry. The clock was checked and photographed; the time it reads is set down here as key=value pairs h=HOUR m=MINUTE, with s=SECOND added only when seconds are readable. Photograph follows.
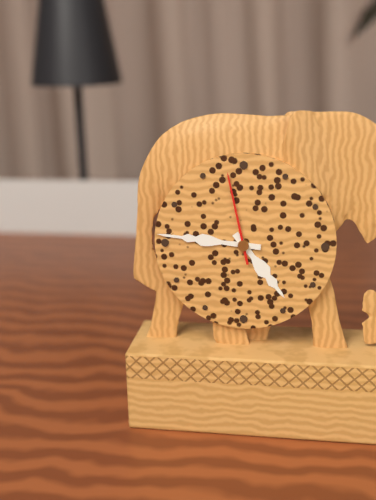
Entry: h=4 m=46 s=58
